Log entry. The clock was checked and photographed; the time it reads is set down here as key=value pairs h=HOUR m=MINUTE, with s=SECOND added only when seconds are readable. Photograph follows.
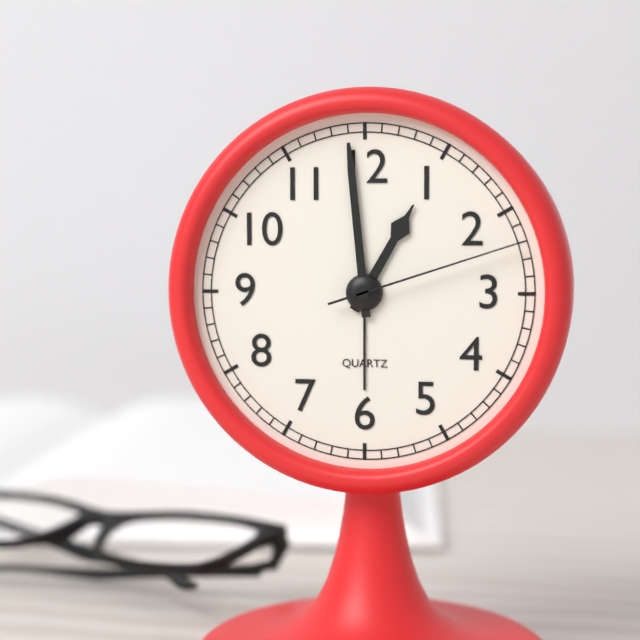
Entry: h=12 m=59 s=12
